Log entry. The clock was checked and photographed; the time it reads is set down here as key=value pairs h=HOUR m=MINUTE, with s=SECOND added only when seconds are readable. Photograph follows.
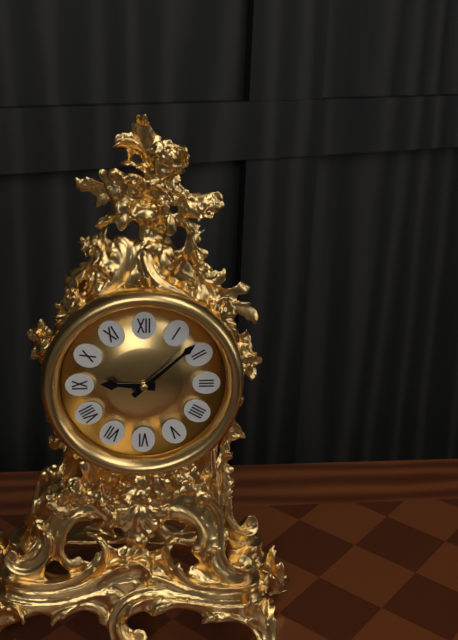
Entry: h=9 m=8
